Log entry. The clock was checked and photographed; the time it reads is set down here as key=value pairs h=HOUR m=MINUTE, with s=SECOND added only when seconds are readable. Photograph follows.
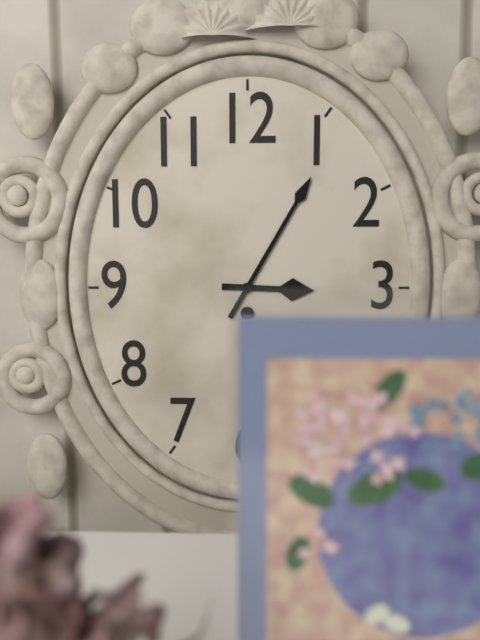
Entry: h=3 m=5
